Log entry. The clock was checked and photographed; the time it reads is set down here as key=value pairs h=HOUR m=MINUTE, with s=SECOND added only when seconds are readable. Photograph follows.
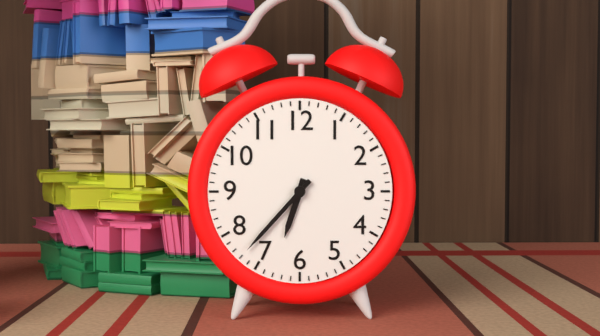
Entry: h=6 m=37
